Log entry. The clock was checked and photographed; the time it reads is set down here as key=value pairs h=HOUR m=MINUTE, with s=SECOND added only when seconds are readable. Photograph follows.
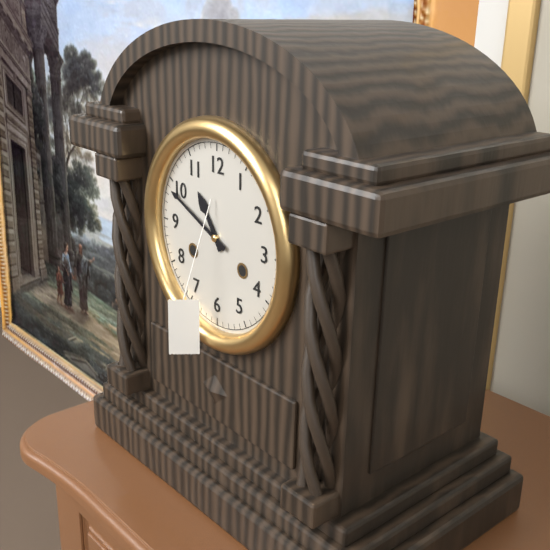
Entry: h=10 m=49
